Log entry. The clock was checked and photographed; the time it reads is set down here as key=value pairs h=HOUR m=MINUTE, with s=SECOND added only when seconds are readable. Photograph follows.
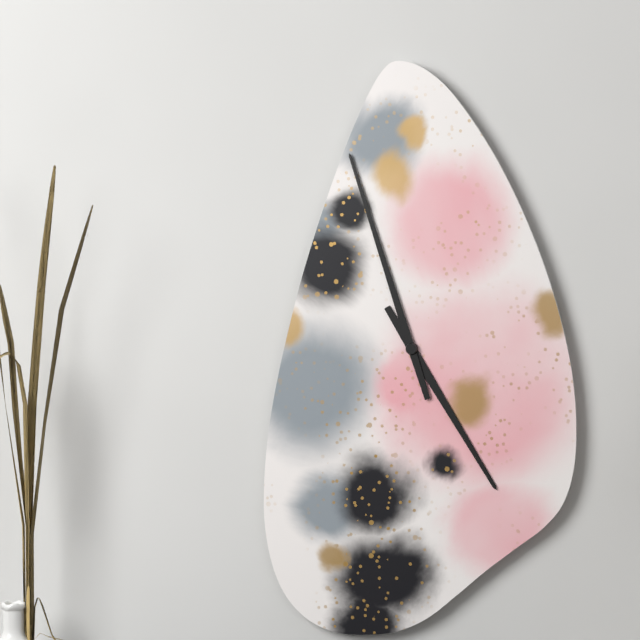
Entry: h=4 m=57
